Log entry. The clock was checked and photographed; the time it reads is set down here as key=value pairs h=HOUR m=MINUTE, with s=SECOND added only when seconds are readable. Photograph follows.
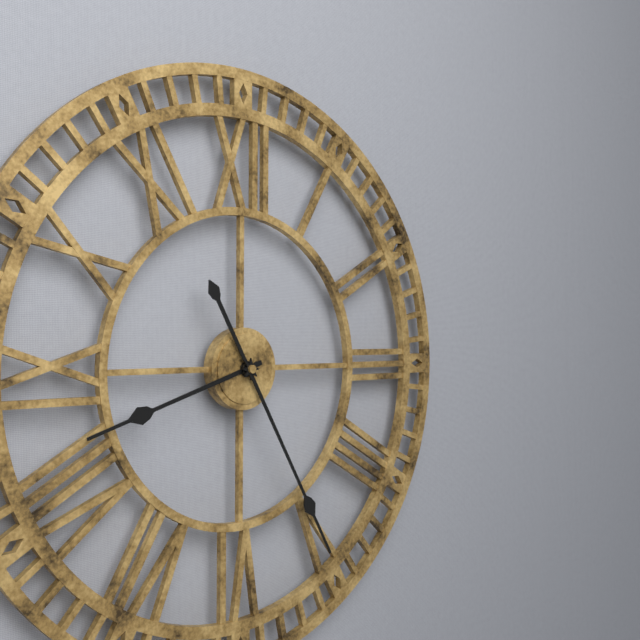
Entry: h=8 m=25
